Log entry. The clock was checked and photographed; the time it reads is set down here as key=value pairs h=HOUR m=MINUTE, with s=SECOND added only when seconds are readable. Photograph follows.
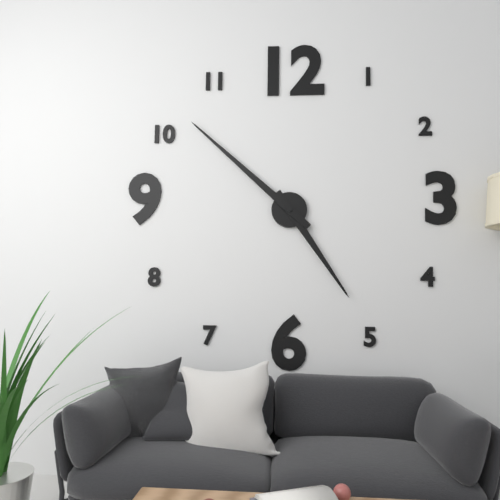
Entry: h=4 m=52
